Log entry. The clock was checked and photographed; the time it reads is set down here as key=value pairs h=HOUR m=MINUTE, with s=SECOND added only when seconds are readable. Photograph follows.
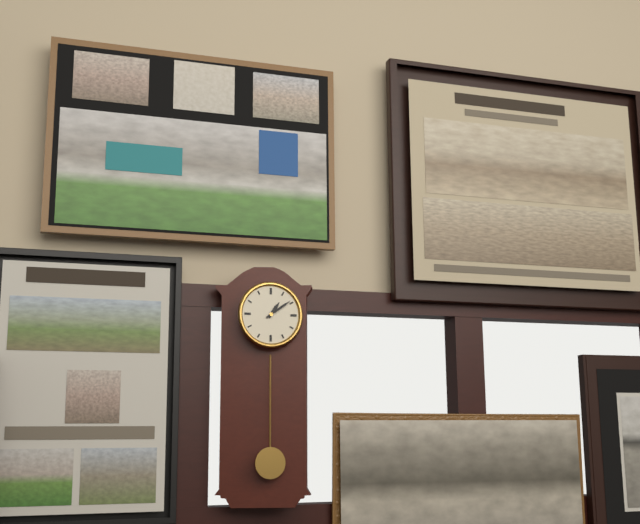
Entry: h=1 m=9
